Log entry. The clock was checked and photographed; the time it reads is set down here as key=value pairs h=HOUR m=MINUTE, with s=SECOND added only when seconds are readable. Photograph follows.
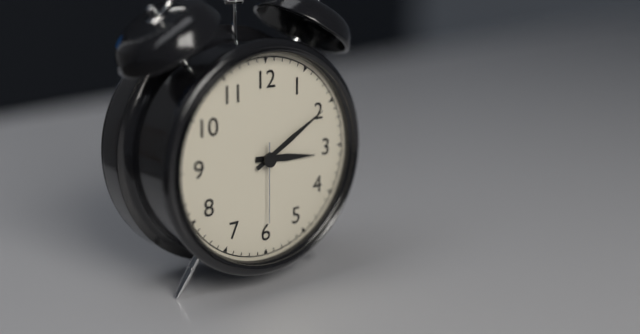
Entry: h=3 m=10 s=30
